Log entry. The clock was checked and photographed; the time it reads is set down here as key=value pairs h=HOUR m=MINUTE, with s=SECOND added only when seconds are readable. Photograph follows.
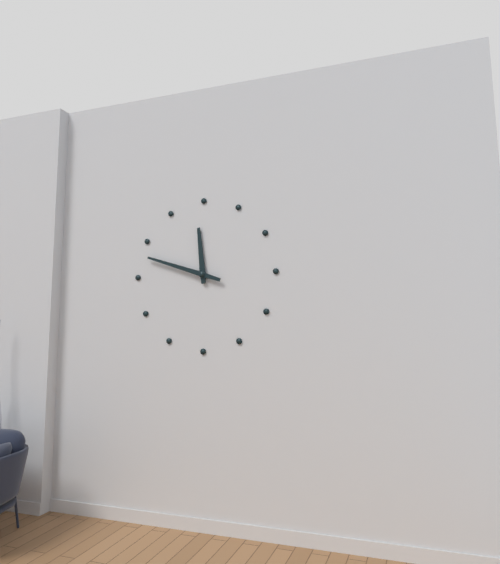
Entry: h=11 m=48
